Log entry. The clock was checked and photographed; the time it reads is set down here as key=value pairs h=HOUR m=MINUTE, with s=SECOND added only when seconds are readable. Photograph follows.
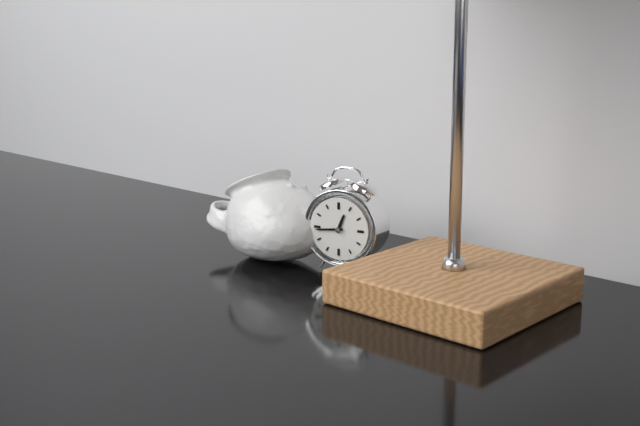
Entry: h=12 m=44
